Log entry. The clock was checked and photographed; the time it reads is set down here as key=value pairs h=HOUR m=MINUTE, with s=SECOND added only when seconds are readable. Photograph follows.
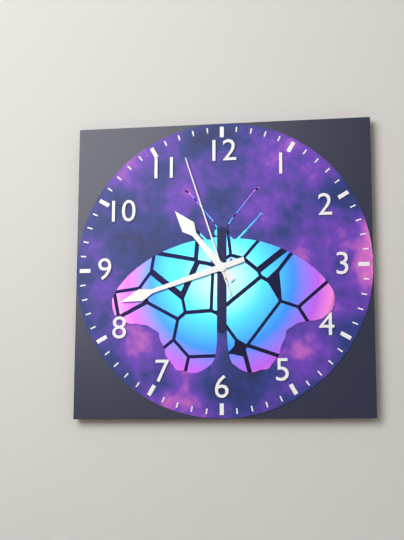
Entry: h=10 m=42 s=57
